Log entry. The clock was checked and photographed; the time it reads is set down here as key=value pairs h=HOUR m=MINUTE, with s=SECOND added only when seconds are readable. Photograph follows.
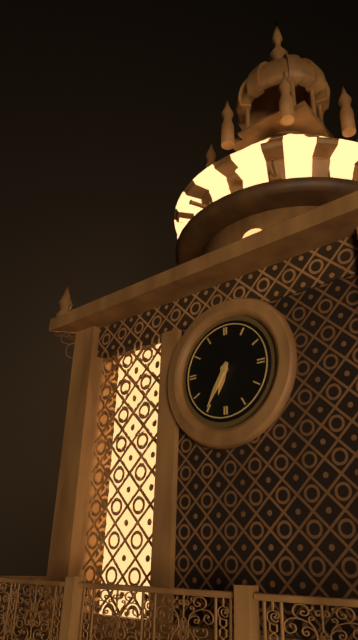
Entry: h=6 m=35
